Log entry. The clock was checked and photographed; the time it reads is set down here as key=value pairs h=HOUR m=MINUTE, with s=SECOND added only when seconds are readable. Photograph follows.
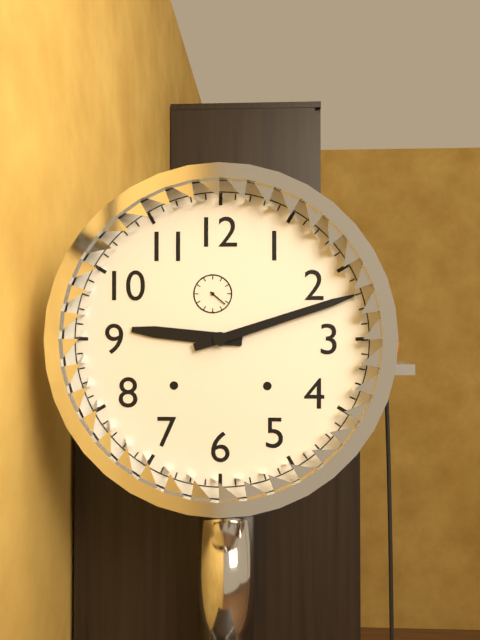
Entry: h=9 m=12
